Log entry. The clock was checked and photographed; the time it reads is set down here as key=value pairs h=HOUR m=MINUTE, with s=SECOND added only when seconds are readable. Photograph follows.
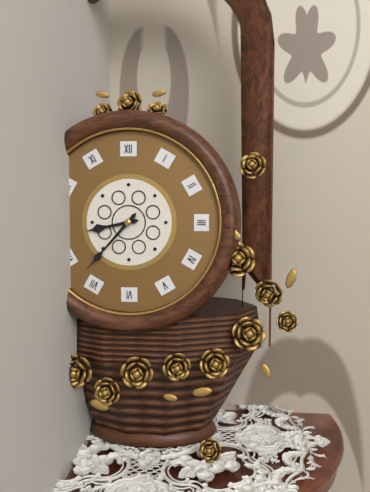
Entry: h=8 m=37
